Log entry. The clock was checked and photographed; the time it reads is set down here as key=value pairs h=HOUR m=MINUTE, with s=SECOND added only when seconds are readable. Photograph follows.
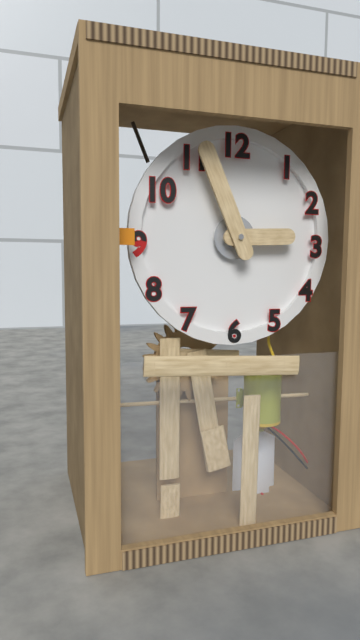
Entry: h=2 m=56
